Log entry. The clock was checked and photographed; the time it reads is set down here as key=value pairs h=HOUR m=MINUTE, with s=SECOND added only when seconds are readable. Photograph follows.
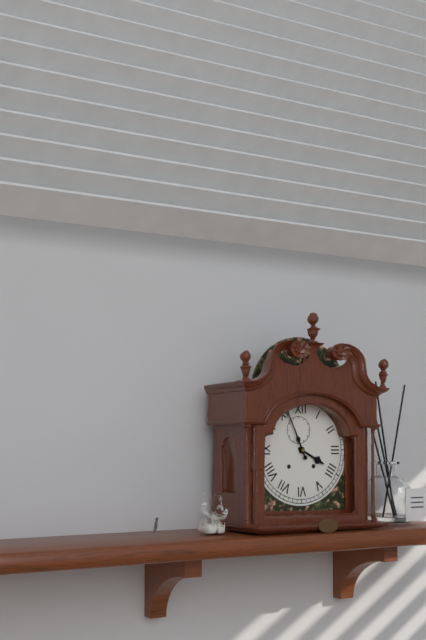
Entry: h=3 m=56
